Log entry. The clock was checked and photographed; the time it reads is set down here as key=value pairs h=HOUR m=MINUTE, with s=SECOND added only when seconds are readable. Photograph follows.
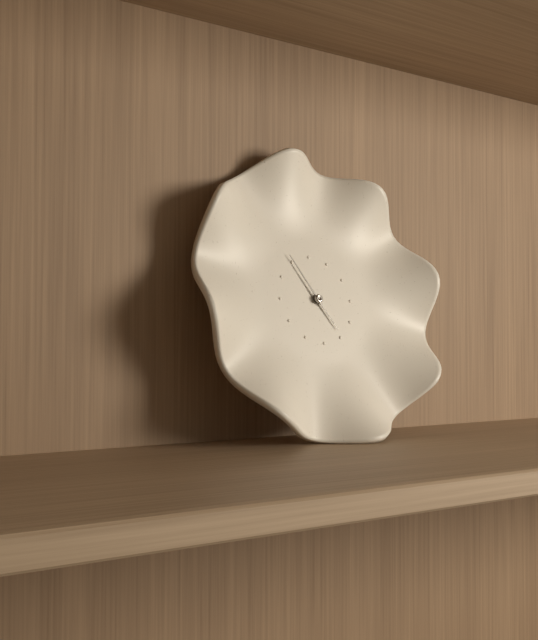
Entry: h=4 m=55
